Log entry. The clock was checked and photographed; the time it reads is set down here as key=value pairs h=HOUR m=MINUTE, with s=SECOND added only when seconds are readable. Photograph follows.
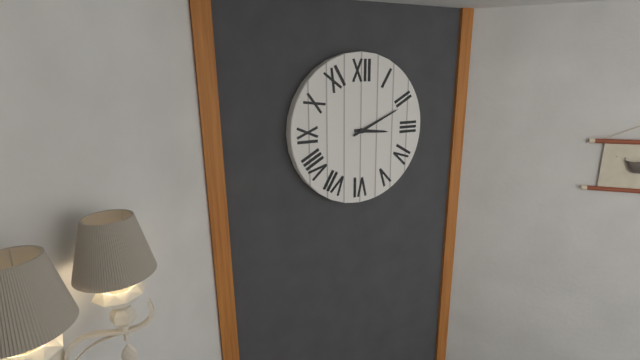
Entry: h=3 m=11
